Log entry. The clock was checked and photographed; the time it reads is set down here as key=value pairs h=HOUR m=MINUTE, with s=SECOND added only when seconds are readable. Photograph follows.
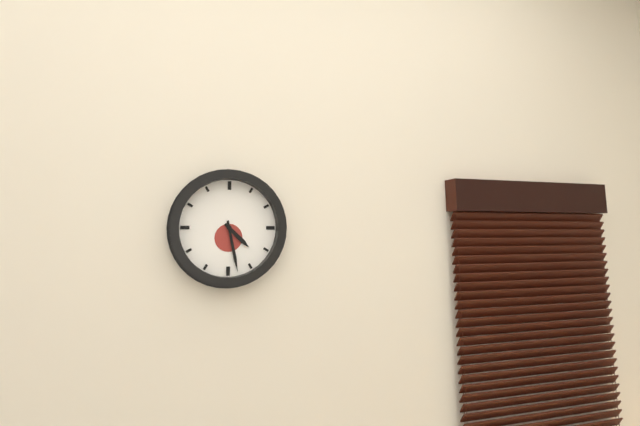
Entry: h=4 m=28
